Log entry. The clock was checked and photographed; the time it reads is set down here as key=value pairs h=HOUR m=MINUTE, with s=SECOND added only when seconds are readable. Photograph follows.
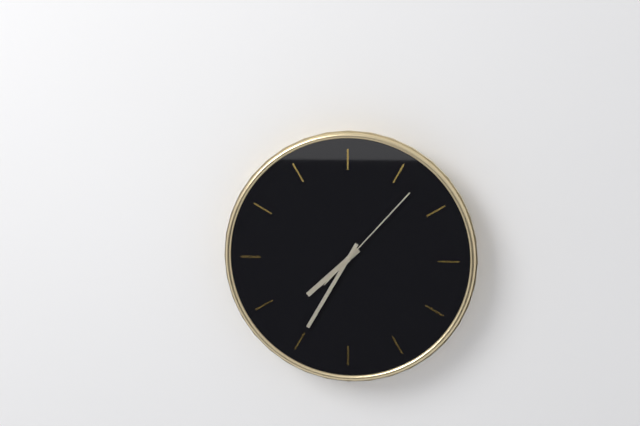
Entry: h=7 m=35 s=7
